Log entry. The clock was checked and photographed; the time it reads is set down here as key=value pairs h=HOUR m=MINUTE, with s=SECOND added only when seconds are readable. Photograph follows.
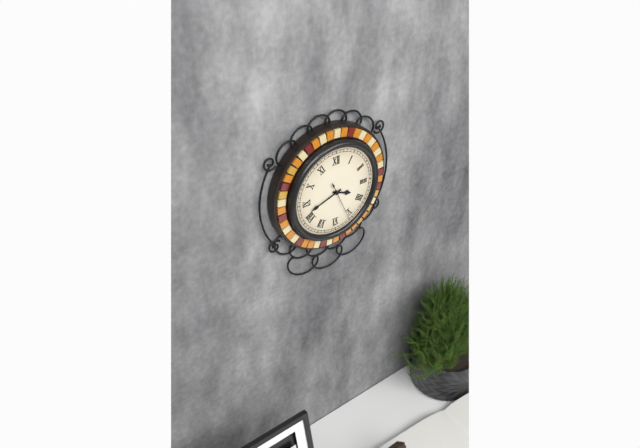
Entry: h=3 m=42 s=26
